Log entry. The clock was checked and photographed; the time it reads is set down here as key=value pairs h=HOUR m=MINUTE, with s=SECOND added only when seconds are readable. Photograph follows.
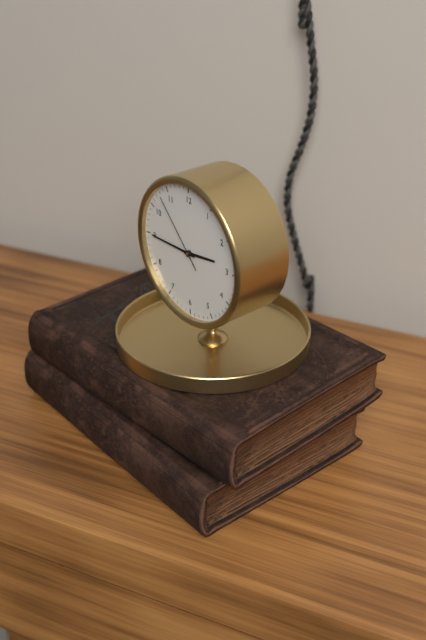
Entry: h=2 m=45 s=53
